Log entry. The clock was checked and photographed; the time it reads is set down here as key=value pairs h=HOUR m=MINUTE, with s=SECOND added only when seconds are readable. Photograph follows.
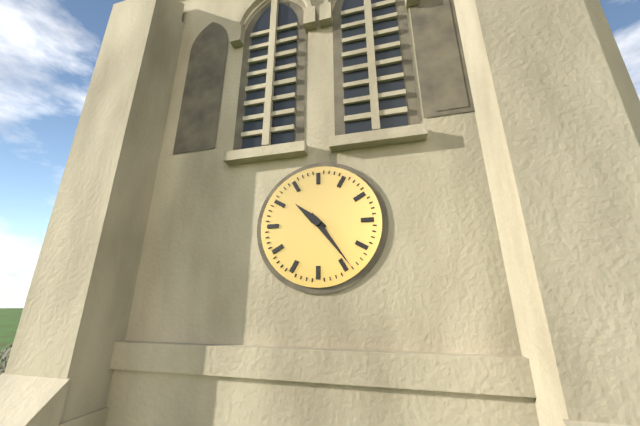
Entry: h=10 m=24
